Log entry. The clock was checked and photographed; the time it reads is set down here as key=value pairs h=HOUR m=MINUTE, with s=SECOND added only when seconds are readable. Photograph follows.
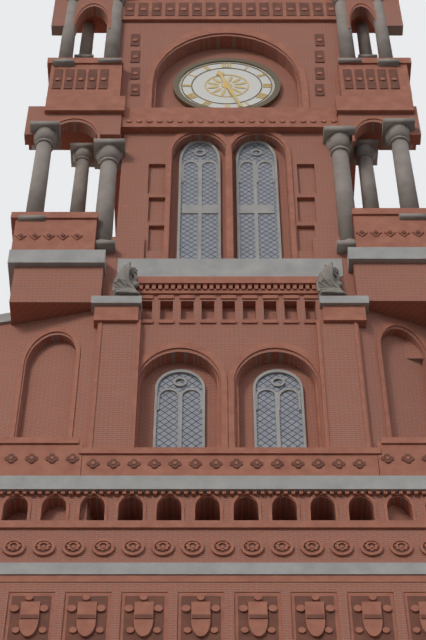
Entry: h=11 m=27
